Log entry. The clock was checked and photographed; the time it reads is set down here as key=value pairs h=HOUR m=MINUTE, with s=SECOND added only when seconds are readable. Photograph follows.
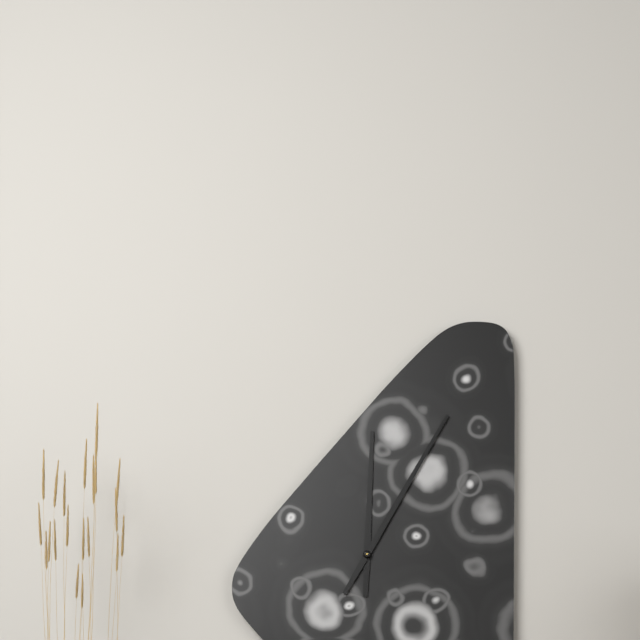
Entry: h=12 m=5
